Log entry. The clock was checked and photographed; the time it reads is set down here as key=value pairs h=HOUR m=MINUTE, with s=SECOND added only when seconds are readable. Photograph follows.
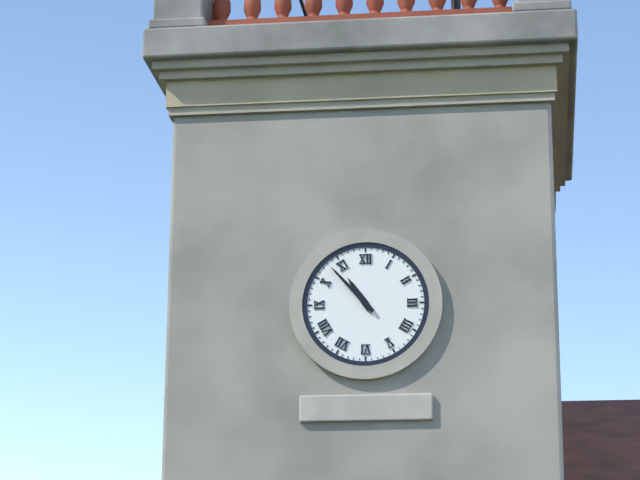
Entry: h=10 m=53
